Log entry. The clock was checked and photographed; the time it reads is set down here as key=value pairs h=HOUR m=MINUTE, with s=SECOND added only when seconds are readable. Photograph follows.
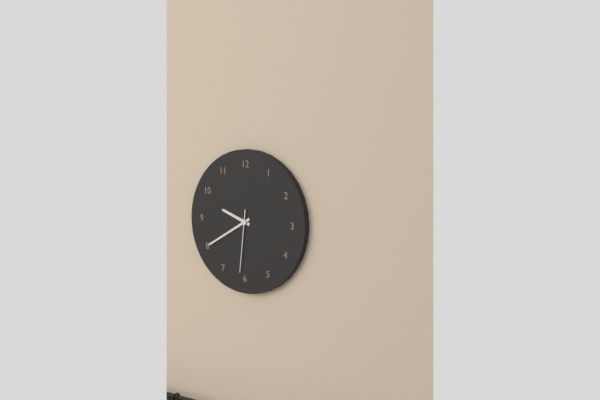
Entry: h=9 m=40 s=31
